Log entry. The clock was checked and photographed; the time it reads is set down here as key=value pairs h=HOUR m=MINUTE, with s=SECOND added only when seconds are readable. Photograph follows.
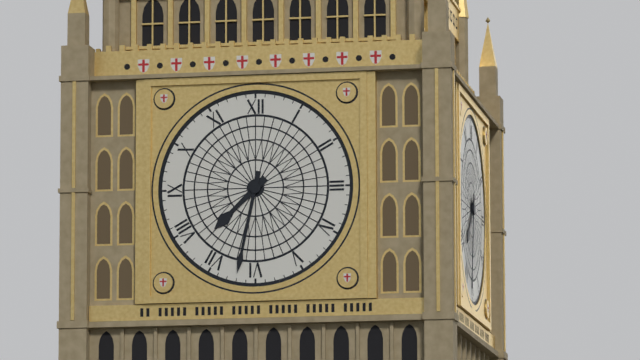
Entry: h=7 m=32
